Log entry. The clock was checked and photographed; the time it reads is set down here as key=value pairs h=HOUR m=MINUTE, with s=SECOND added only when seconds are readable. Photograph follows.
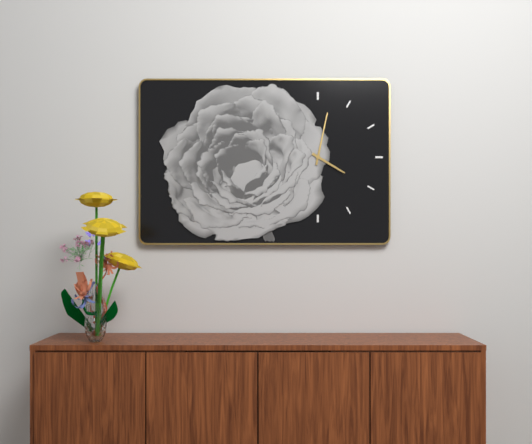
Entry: h=4 m=2
